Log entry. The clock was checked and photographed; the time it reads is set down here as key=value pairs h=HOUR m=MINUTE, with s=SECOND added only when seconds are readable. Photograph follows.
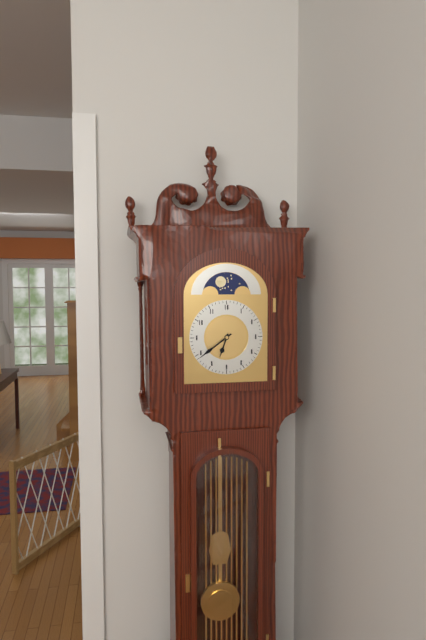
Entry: h=6 m=39
